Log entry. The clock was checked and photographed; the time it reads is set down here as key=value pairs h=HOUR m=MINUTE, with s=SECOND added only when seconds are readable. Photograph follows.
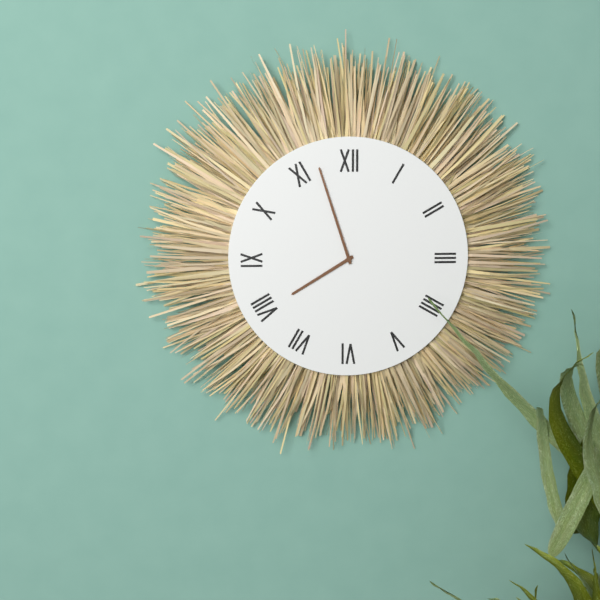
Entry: h=7 m=57
